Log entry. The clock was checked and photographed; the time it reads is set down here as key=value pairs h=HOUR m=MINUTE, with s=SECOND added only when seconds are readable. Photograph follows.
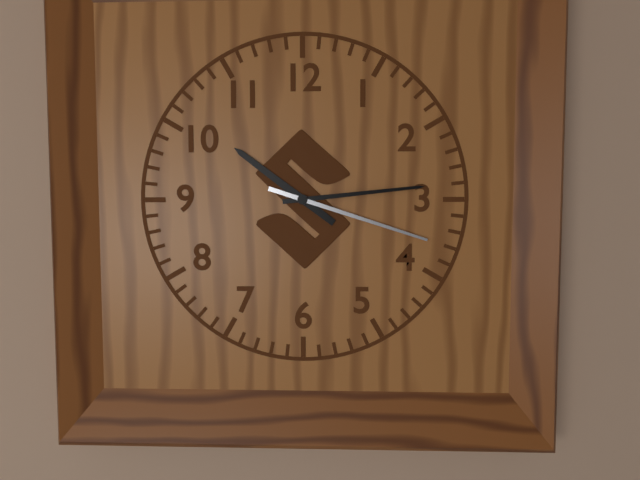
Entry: h=10 m=14 s=18
